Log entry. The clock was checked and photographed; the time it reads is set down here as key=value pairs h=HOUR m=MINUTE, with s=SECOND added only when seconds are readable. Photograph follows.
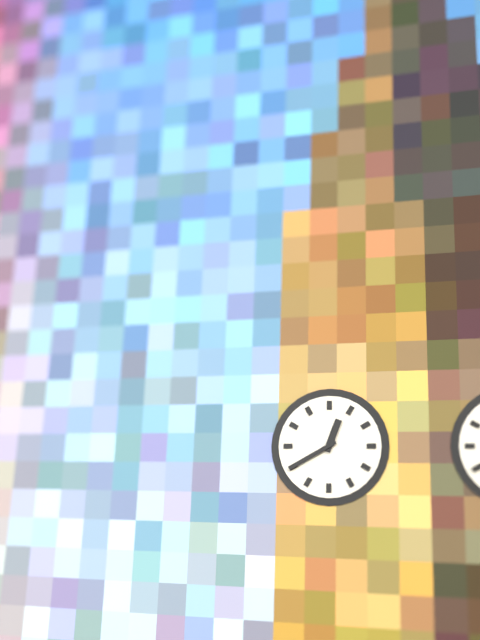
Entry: h=12 m=40
